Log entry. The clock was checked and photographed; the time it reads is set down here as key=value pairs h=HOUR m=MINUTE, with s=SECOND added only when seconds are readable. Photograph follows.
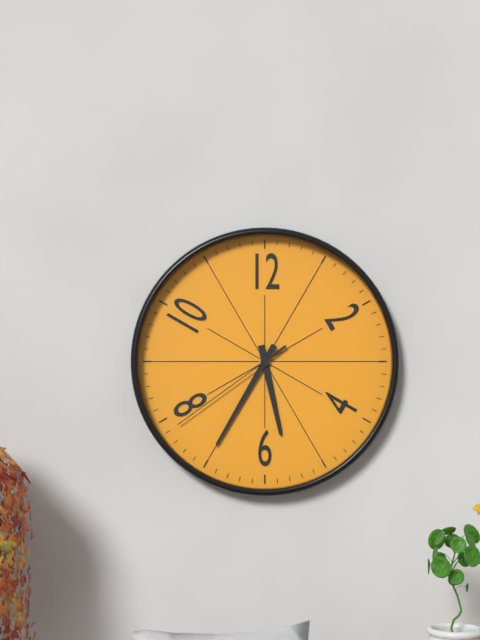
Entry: h=5 m=35 s=39
